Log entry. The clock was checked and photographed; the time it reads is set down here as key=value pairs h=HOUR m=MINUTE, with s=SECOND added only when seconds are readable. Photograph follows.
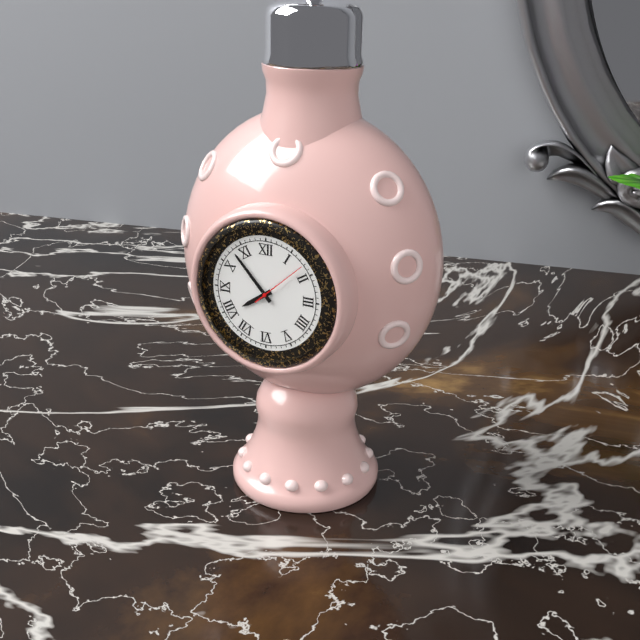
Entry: h=7 m=53 s=8
